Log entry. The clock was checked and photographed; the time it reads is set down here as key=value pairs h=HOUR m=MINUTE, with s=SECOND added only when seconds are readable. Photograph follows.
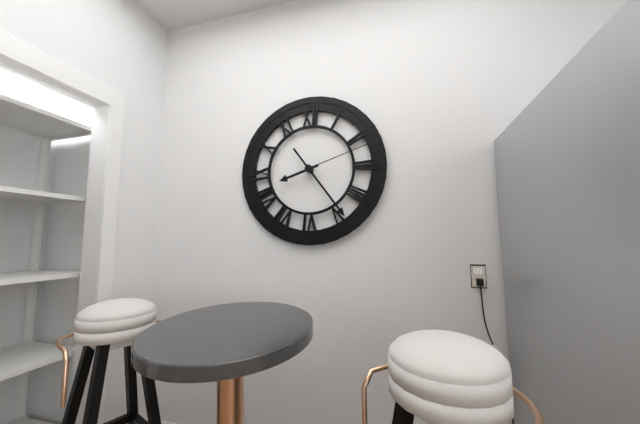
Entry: h=8 m=24 s=12
